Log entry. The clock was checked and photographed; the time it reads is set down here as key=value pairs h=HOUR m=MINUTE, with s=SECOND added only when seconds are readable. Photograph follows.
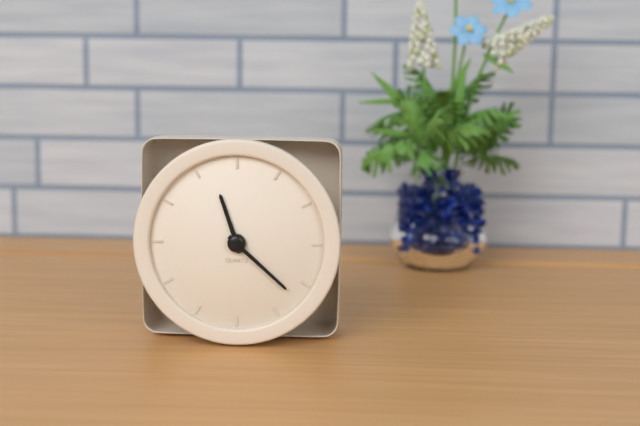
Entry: h=11 m=22
